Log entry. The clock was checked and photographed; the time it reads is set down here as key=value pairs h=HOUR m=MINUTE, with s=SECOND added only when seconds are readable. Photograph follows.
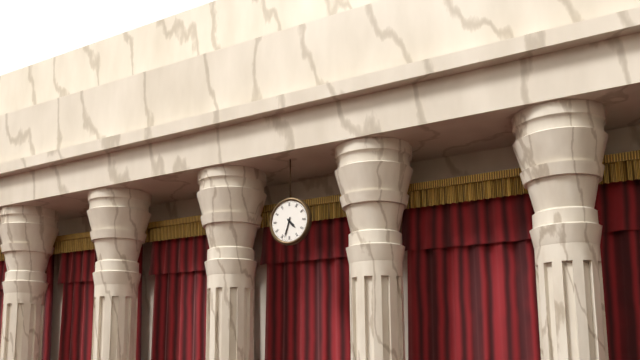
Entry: h=4 m=33
